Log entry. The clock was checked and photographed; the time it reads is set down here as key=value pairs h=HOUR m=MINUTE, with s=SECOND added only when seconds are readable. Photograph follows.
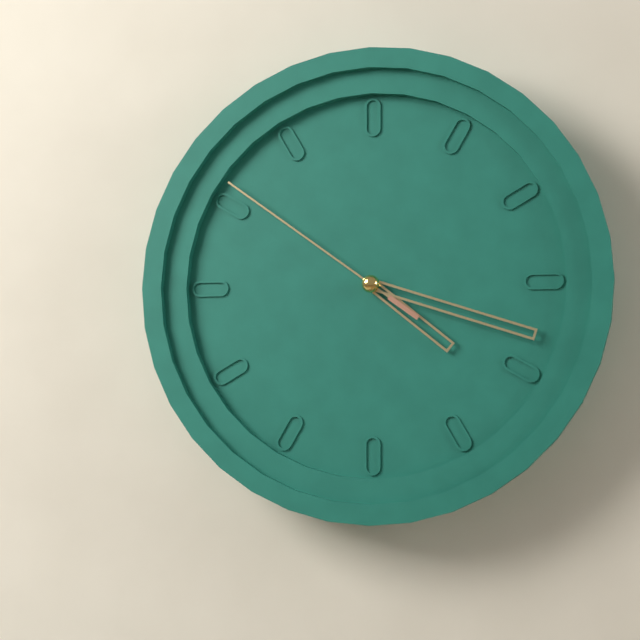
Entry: h=4 m=18 s=51
